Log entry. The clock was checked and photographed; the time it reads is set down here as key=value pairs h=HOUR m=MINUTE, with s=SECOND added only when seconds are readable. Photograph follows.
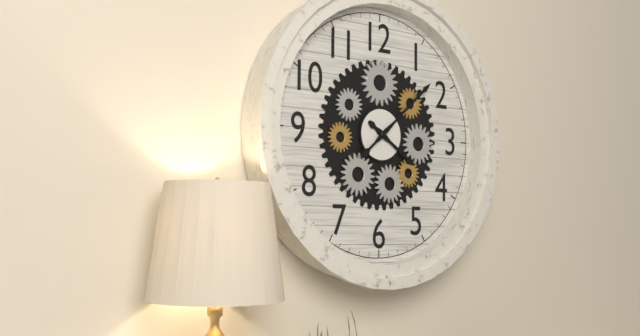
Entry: h=4 m=8
